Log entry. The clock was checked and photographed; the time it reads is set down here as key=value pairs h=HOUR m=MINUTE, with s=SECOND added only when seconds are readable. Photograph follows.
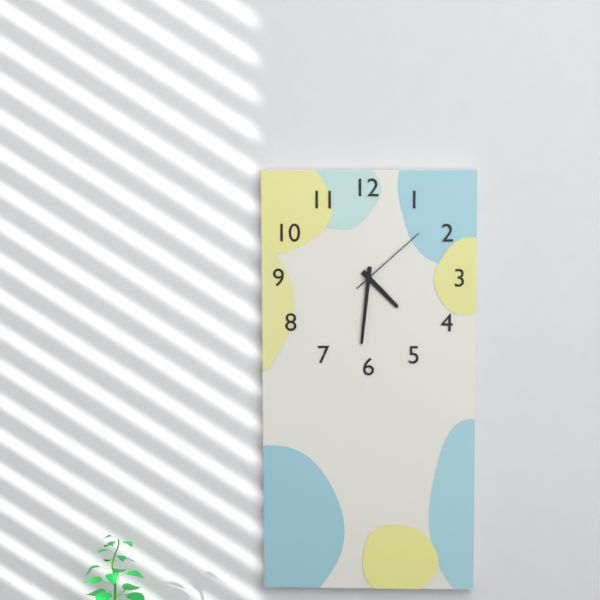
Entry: h=4 m=31 s=8
